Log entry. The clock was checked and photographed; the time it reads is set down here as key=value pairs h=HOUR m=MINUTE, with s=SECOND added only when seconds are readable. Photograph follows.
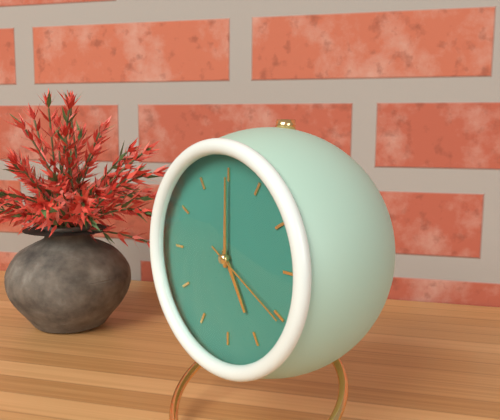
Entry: h=5 m=0 s=20
